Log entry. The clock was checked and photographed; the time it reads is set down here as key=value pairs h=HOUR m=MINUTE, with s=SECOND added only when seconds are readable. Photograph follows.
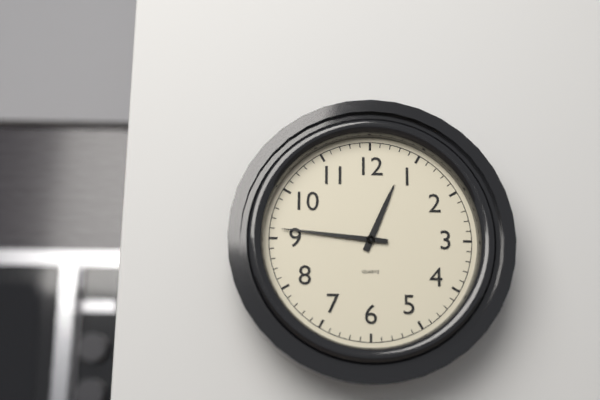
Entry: h=12 m=46
